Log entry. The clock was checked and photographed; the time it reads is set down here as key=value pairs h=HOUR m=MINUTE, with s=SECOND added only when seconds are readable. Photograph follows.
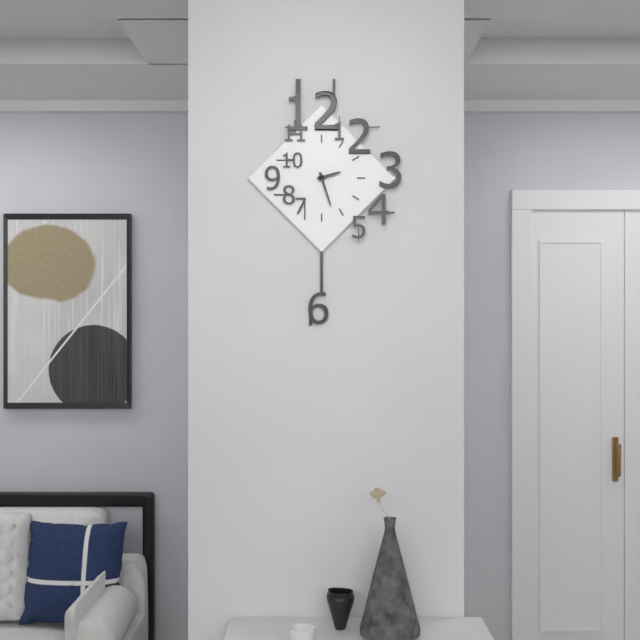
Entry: h=2 m=27
